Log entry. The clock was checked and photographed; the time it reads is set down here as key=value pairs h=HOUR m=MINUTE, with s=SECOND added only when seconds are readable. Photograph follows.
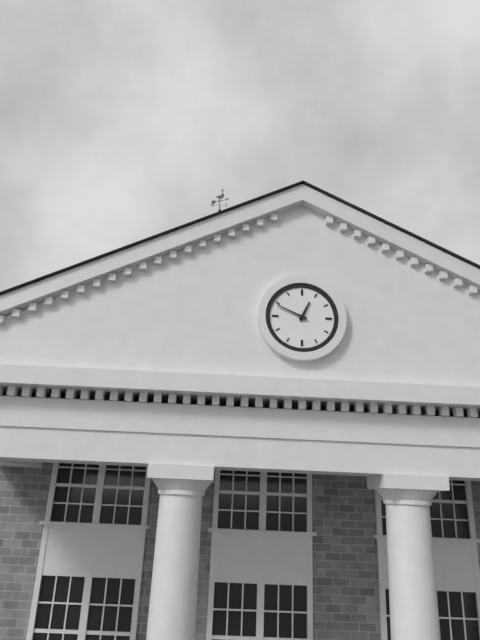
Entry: h=12 m=49
